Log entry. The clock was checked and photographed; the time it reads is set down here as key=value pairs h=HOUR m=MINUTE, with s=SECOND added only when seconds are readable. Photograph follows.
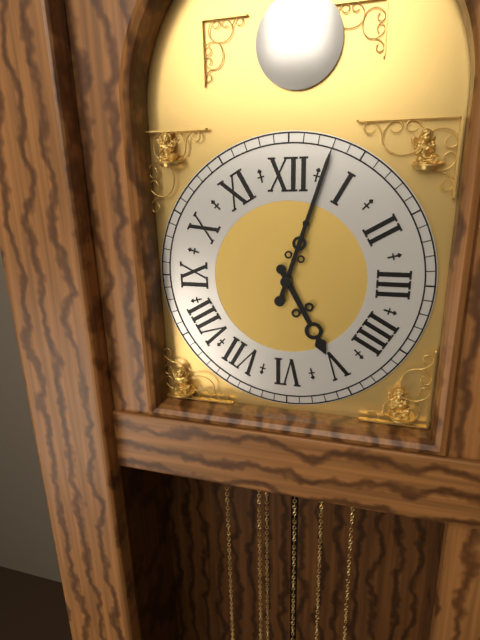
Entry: h=5 m=3
